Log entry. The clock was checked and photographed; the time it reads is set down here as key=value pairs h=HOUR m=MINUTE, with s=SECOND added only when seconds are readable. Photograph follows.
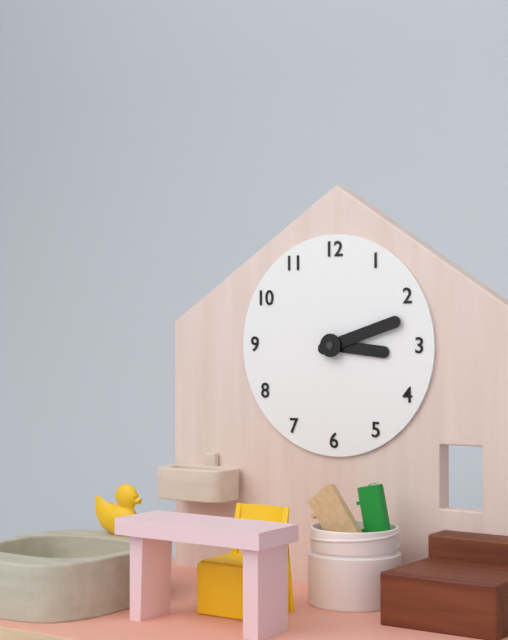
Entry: h=3 m=12
